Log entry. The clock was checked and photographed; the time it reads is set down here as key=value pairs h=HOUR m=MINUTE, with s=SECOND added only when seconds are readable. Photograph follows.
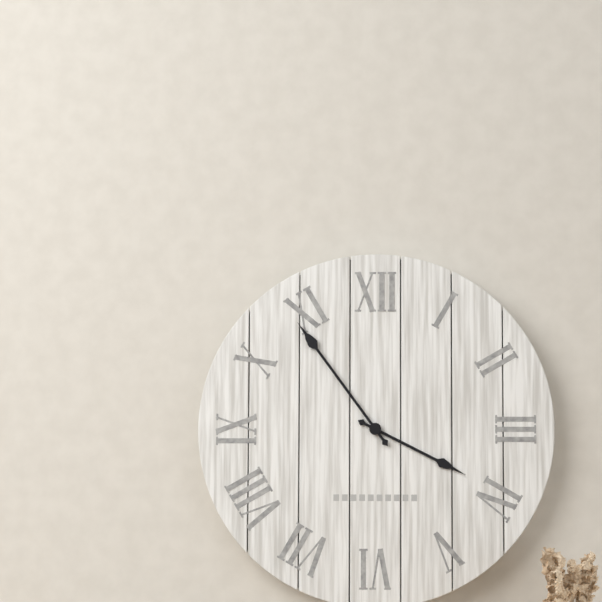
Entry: h=3 m=54
